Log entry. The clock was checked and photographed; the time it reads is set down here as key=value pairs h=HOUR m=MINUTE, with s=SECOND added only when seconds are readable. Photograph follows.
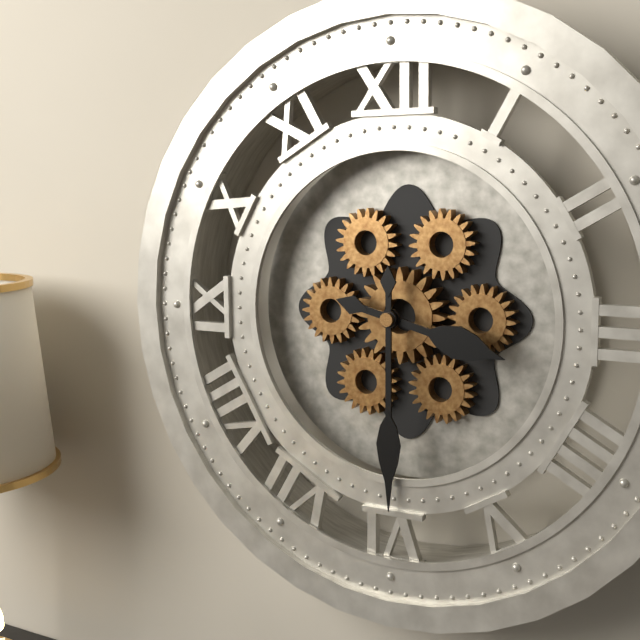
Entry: h=3 m=30
